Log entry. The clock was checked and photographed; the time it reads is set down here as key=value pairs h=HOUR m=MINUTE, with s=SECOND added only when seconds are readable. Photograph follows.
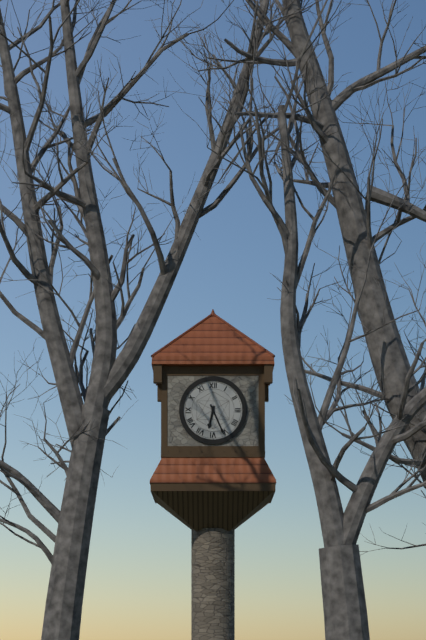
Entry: h=6 m=26
